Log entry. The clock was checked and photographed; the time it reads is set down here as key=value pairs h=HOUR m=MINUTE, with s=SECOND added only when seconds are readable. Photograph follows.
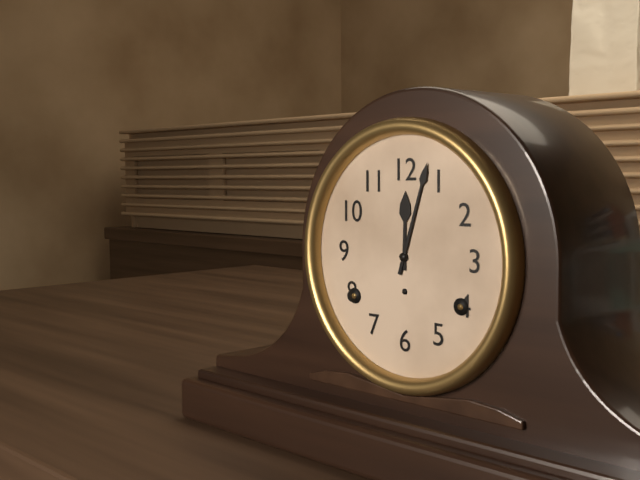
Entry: h=12 m=3
